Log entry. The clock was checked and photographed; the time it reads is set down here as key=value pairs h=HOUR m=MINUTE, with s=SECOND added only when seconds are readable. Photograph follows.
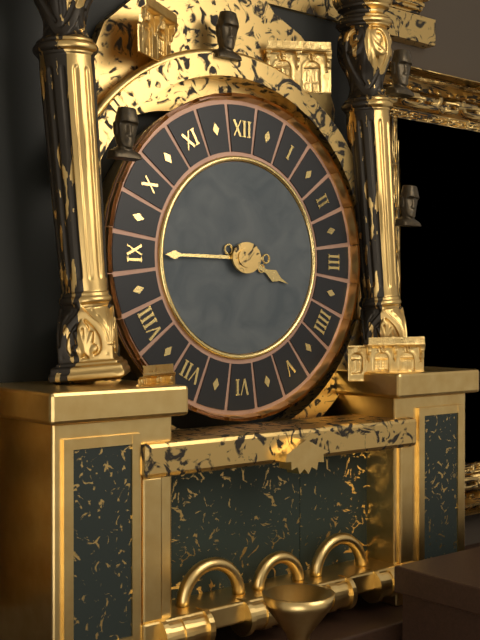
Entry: h=3 m=45
